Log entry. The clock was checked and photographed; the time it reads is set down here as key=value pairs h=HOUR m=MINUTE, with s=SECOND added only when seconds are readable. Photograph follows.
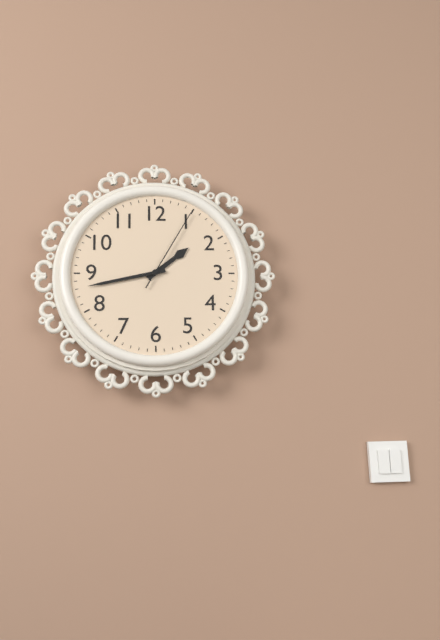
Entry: h=1 m=43 s=5
